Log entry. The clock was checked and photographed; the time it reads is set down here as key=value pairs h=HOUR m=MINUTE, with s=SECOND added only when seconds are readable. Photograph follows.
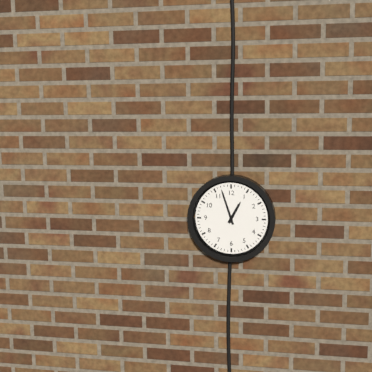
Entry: h=12 m=57
